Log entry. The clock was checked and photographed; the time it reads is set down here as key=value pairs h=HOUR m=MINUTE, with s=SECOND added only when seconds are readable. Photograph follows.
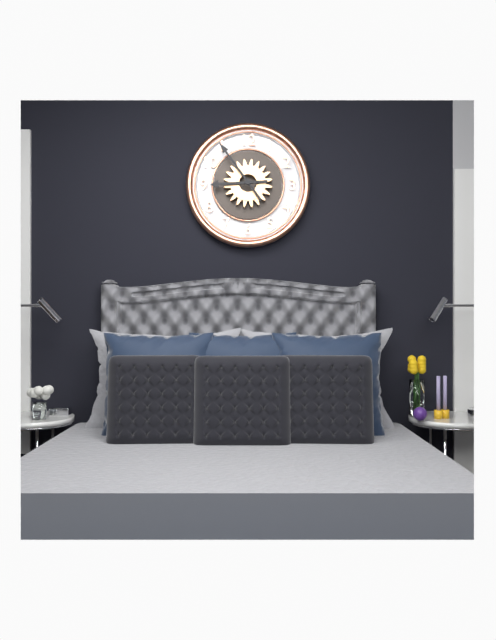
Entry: h=8 m=54
